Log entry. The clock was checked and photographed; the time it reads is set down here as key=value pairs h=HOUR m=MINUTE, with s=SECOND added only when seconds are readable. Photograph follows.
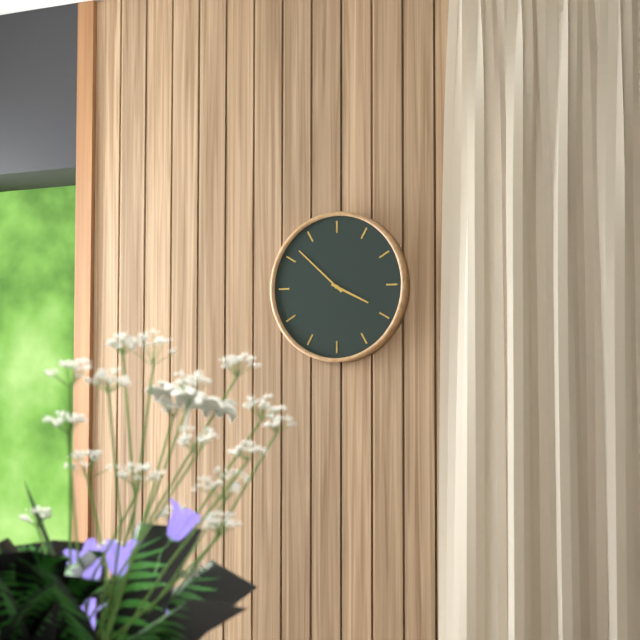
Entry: h=3 m=52
